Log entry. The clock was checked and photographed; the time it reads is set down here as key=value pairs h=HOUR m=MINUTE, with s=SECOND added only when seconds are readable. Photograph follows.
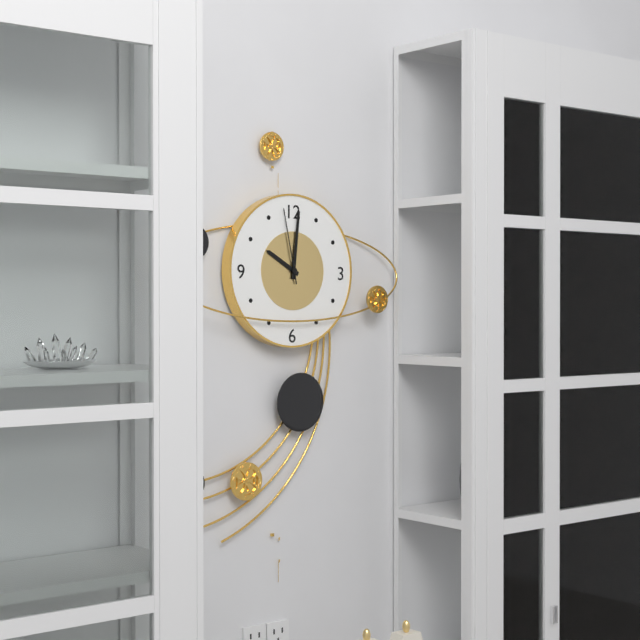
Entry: h=10 m=1 s=58
